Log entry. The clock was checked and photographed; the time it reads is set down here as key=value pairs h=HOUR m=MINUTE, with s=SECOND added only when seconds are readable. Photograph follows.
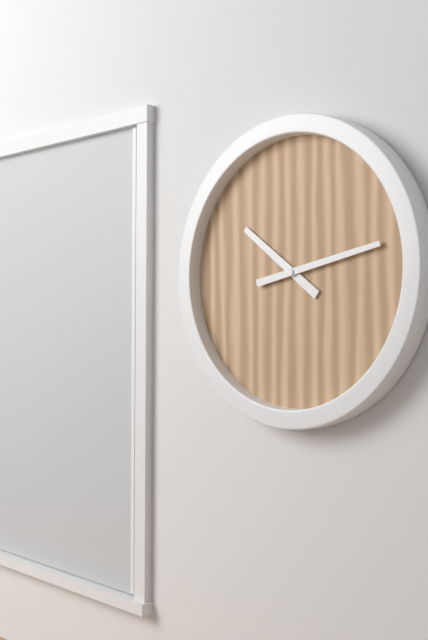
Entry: h=10 m=13
